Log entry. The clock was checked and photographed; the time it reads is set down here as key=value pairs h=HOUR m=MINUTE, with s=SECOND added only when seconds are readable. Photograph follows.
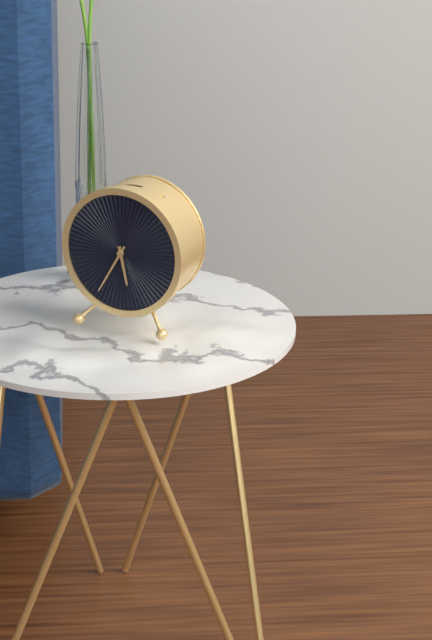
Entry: h=5 m=35
